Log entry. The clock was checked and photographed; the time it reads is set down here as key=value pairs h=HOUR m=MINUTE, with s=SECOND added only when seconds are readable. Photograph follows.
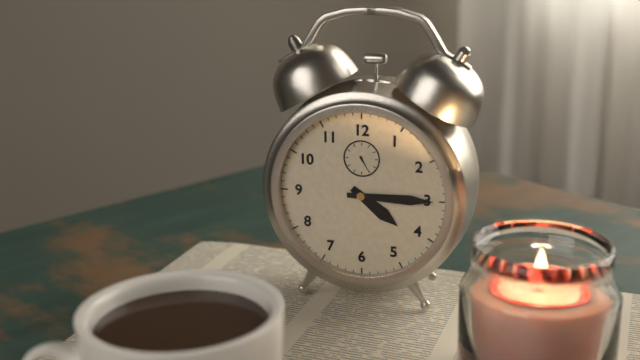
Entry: h=4 m=15
